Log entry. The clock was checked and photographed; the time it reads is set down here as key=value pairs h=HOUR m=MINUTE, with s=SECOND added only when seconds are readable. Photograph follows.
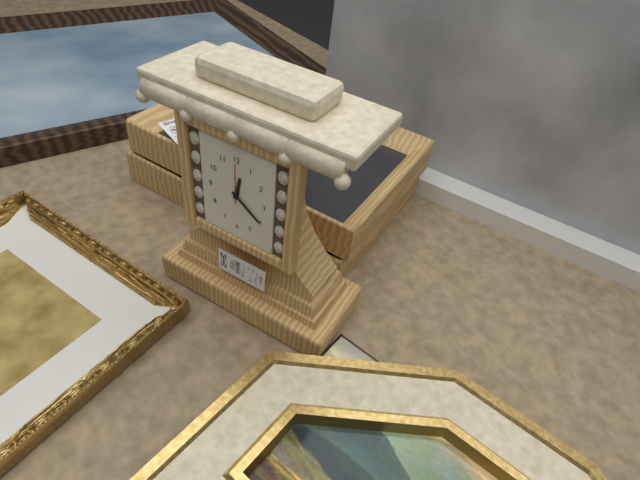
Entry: h=12 m=21
